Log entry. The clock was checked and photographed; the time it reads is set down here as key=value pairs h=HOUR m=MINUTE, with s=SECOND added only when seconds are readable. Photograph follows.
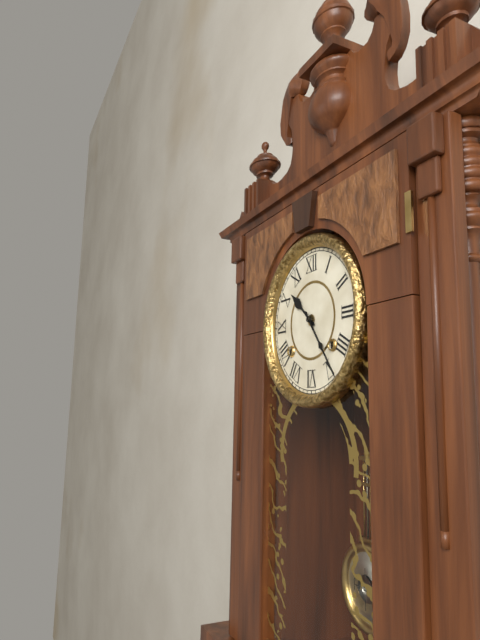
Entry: h=10 m=24
